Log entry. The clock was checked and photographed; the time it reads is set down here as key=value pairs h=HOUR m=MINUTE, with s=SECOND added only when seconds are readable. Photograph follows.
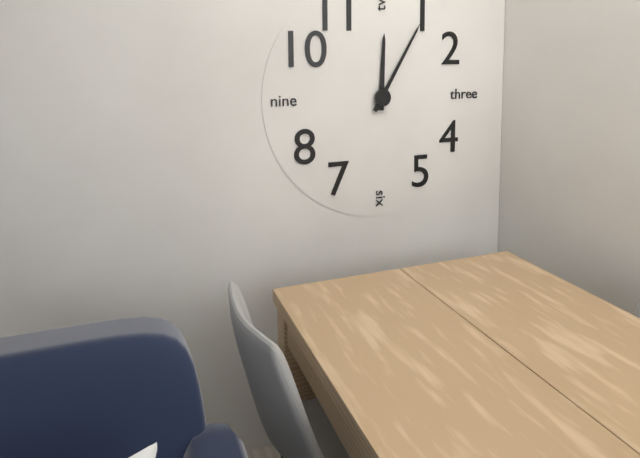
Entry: h=12 m=5
